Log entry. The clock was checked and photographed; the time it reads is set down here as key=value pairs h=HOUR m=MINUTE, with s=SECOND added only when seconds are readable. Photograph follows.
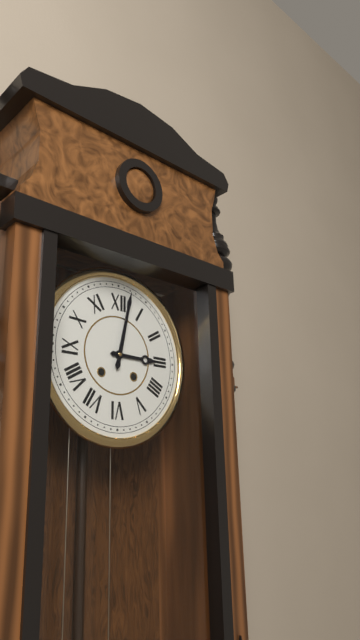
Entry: h=3 m=2
